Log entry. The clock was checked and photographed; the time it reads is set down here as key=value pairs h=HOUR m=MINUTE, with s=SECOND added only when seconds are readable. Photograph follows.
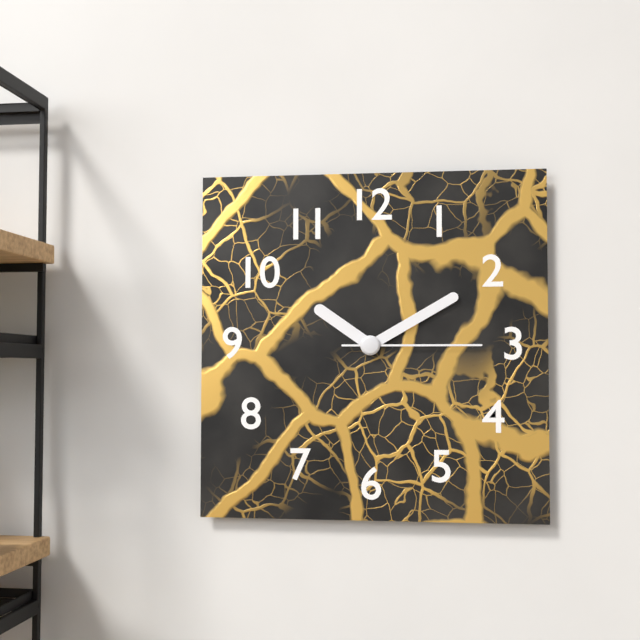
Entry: h=10 m=10 s=15
